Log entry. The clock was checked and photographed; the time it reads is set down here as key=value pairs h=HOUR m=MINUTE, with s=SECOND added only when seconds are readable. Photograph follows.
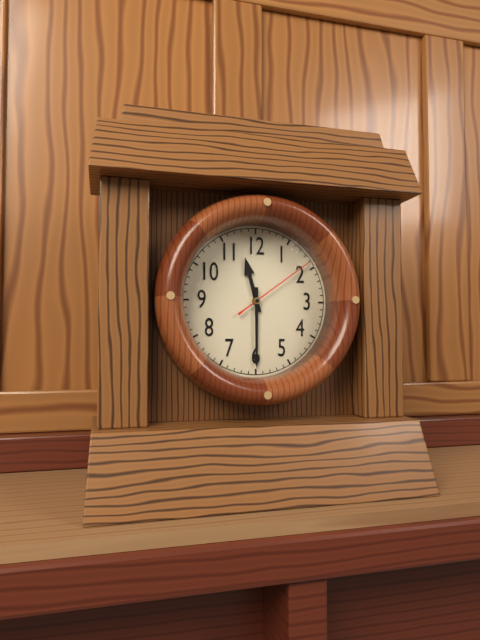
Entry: h=11 m=30 s=9
